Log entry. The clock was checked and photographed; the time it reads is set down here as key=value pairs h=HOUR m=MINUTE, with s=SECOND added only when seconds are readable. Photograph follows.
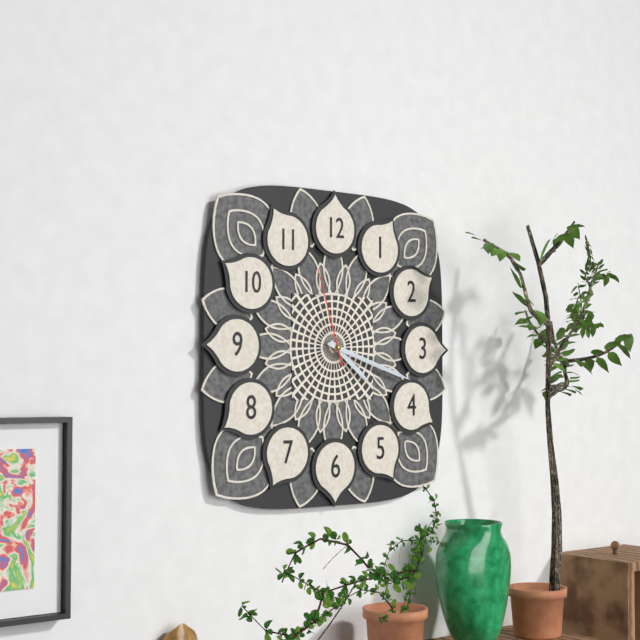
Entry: h=4 m=18 s=57
